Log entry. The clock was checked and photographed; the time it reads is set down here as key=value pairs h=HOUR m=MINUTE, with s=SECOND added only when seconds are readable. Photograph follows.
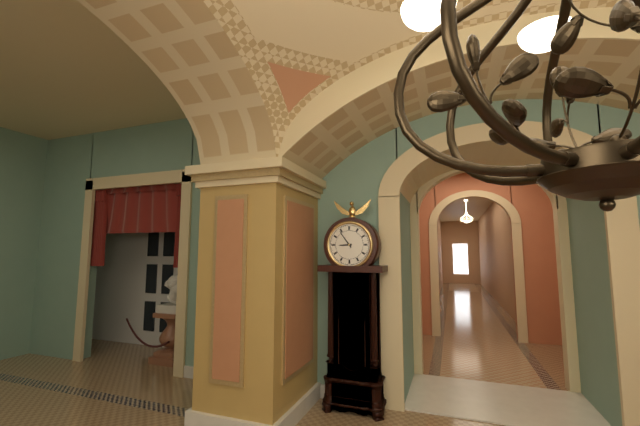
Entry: h=8 m=54
